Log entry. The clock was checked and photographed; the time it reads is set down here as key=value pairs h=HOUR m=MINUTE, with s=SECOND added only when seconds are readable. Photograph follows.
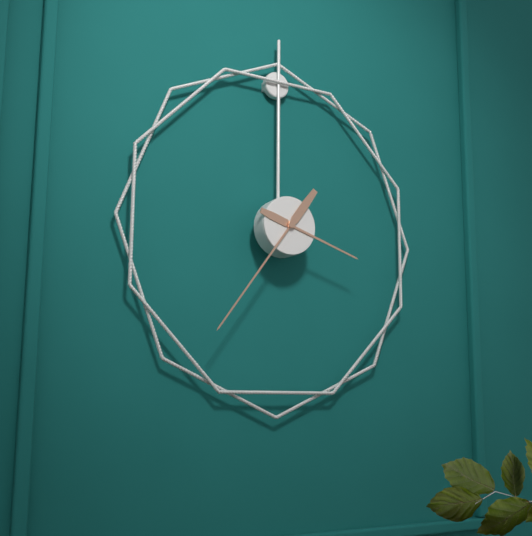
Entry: h=3 m=36
